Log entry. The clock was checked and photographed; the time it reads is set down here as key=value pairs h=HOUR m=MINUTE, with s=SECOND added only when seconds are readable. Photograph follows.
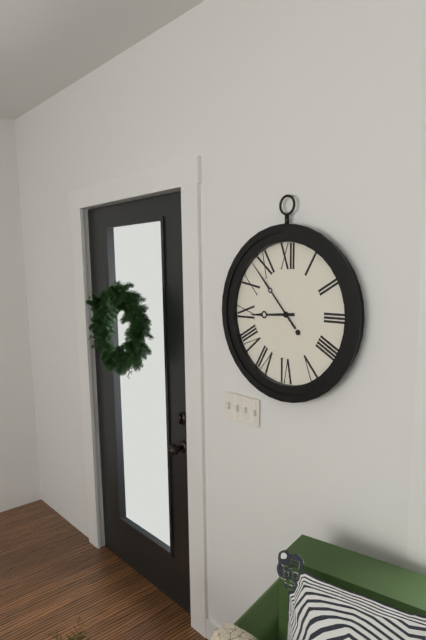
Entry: h=8 m=53
